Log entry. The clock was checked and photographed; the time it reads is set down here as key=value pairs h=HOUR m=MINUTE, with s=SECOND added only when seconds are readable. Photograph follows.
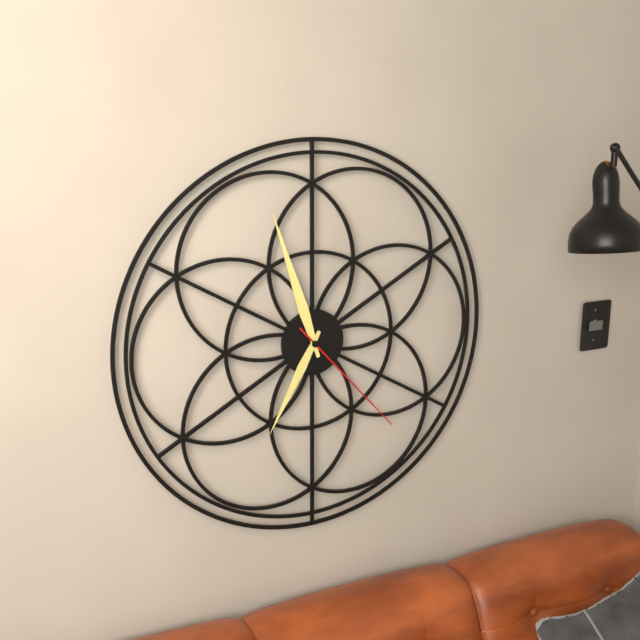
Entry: h=6 m=57 s=23
